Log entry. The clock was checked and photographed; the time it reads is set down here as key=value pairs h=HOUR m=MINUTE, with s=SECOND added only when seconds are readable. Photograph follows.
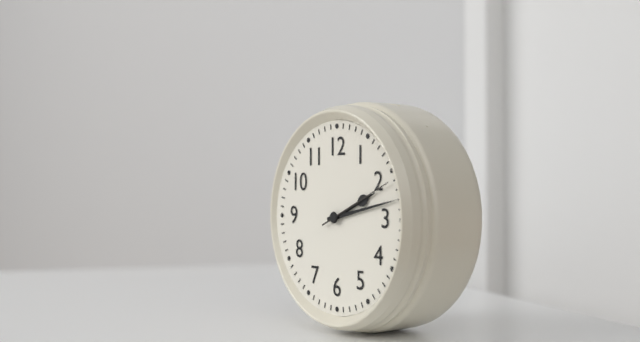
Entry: h=2 m=13 s=11
